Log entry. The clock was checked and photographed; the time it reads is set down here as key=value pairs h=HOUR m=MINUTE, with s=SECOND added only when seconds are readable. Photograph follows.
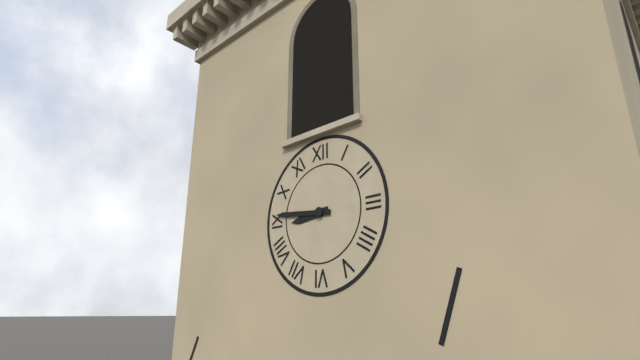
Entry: h=8 m=46
